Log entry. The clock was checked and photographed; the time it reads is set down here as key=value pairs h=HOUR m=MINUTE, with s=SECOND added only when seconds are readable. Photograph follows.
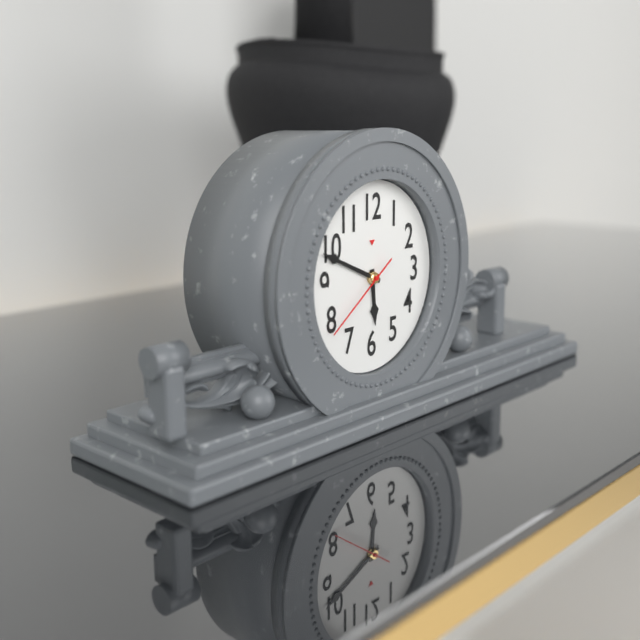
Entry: h=5 m=49 s=39
